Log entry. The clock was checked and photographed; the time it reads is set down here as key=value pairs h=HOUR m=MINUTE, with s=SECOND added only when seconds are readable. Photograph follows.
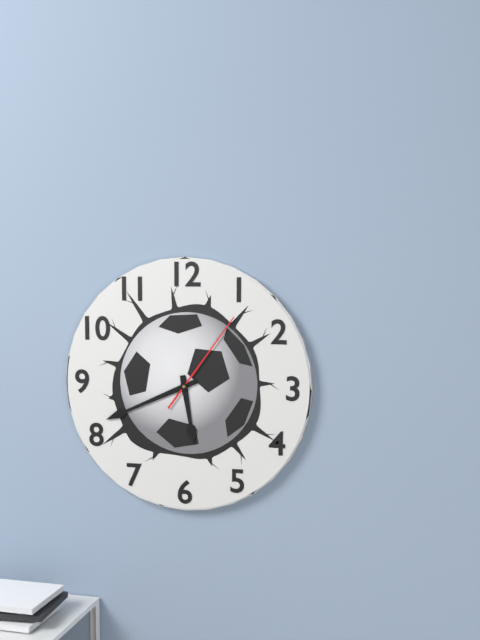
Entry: h=5 m=41 s=6
